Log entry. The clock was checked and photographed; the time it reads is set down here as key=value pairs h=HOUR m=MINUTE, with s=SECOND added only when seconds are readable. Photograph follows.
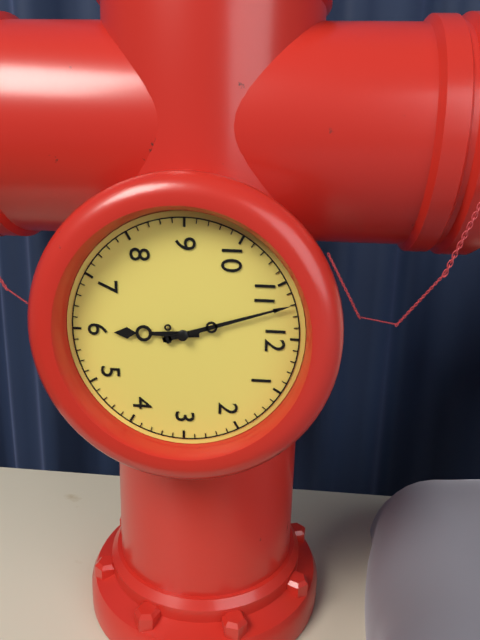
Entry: h=5 m=57
